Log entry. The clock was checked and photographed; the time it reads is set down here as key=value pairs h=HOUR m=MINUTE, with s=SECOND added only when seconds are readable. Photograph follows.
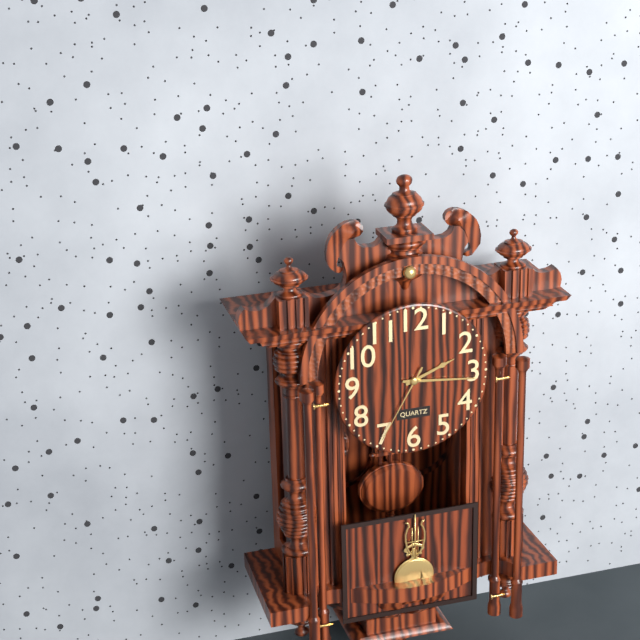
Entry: h=2 m=16 s=35
